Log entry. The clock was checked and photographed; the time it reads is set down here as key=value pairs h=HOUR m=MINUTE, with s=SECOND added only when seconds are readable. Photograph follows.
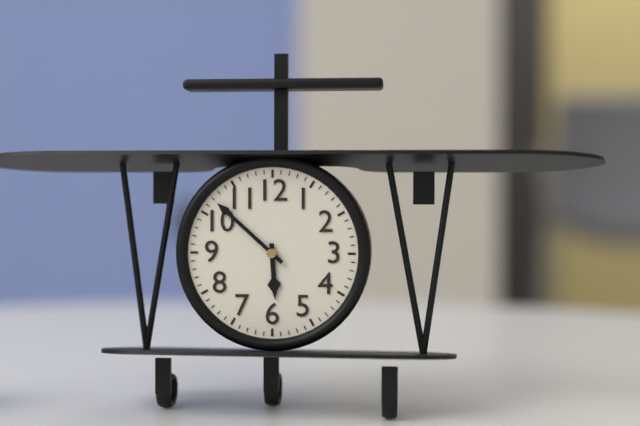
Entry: h=5 m=52
